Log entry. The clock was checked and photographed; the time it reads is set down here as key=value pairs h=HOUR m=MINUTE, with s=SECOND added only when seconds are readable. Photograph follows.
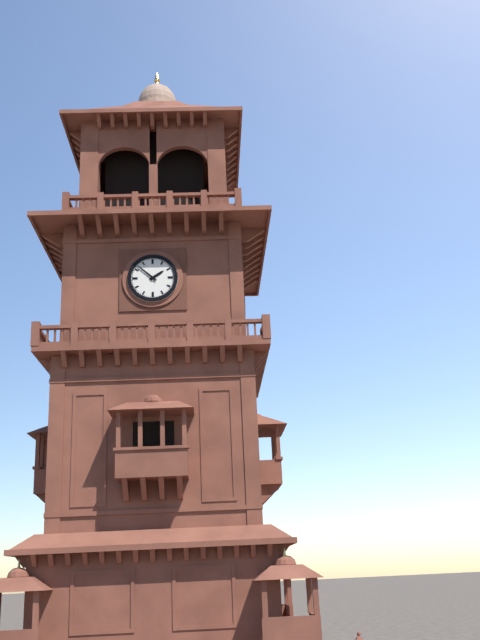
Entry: h=1 m=52
